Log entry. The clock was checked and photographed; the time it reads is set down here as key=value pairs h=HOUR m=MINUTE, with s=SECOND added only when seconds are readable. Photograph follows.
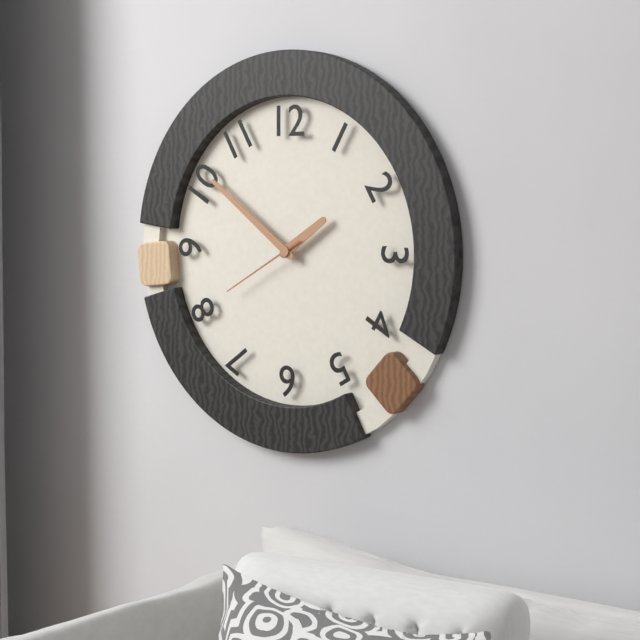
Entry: h=1 m=51 s=40
